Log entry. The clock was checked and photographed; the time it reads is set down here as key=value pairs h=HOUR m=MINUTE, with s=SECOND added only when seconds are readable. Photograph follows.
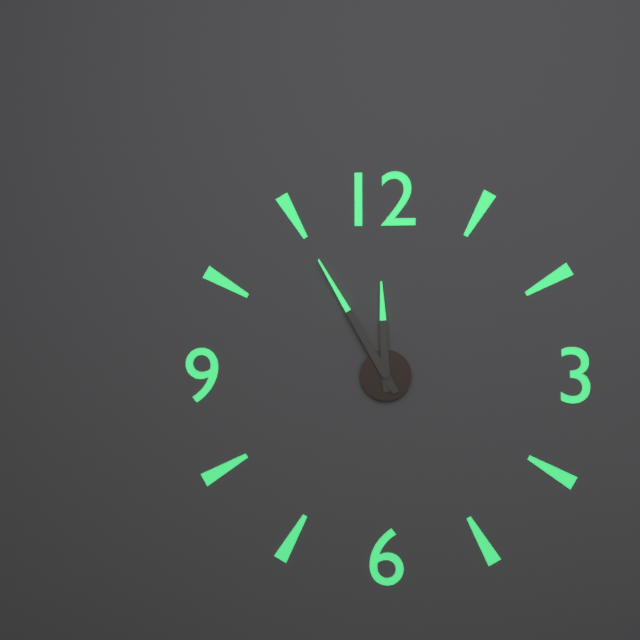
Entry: h=11 m=55
